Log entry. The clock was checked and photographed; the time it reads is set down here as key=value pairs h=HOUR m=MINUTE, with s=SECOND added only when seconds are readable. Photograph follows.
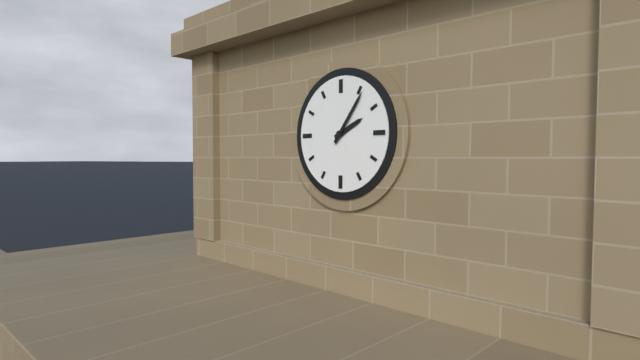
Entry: h=2 m=6
